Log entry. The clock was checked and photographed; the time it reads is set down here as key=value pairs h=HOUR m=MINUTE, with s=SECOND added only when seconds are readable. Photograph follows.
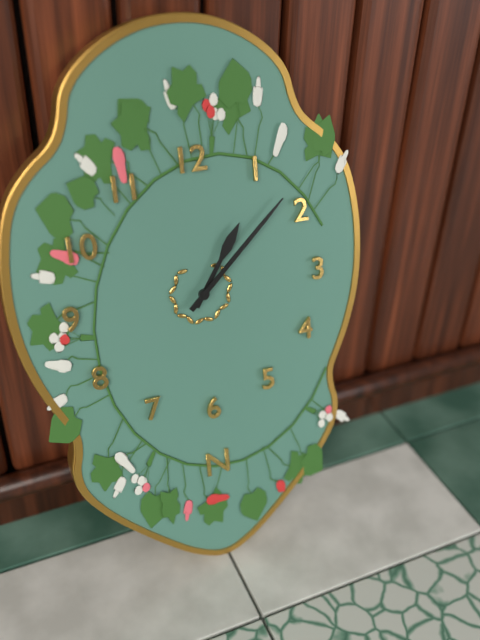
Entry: h=1 m=8
